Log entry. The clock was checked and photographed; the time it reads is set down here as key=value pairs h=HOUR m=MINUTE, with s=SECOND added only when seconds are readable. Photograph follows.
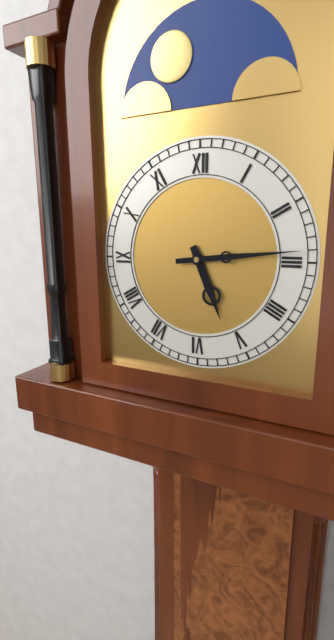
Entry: h=5 m=14
